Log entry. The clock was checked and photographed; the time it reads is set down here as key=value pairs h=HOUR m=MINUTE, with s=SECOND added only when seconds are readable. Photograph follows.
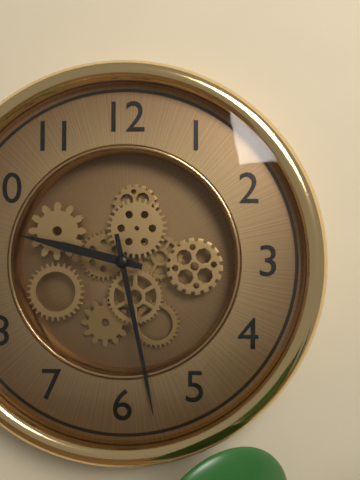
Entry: h=9 m=28
